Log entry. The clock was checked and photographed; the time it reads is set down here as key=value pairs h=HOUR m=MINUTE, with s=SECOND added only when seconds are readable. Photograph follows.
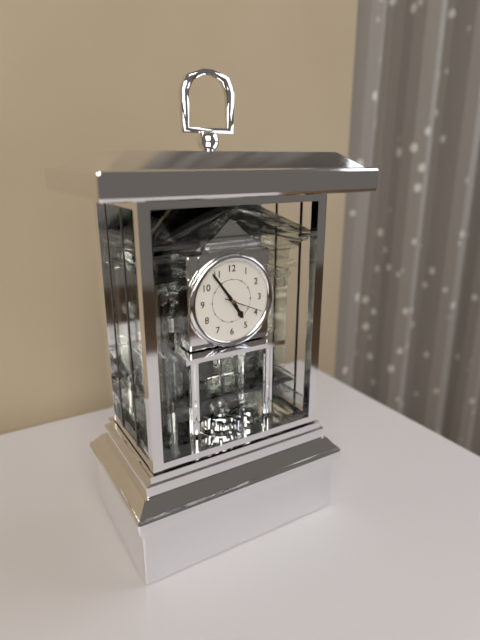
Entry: h=4 m=54
